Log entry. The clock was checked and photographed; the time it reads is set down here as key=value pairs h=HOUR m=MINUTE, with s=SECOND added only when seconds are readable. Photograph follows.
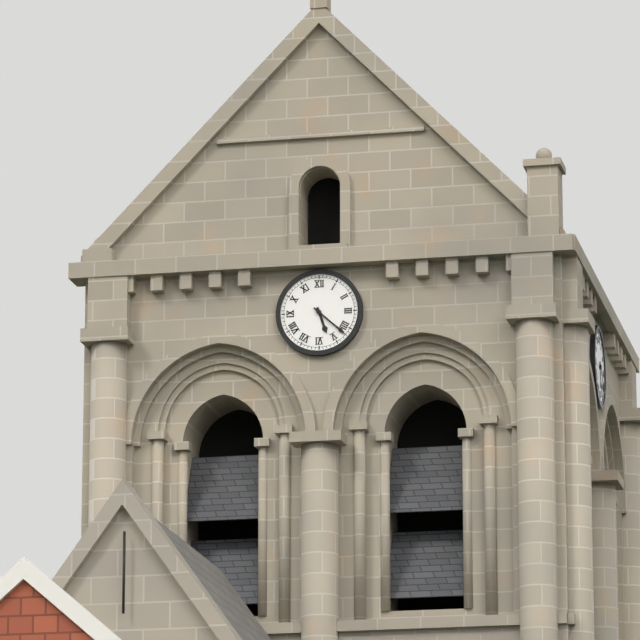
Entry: h=5 m=22
